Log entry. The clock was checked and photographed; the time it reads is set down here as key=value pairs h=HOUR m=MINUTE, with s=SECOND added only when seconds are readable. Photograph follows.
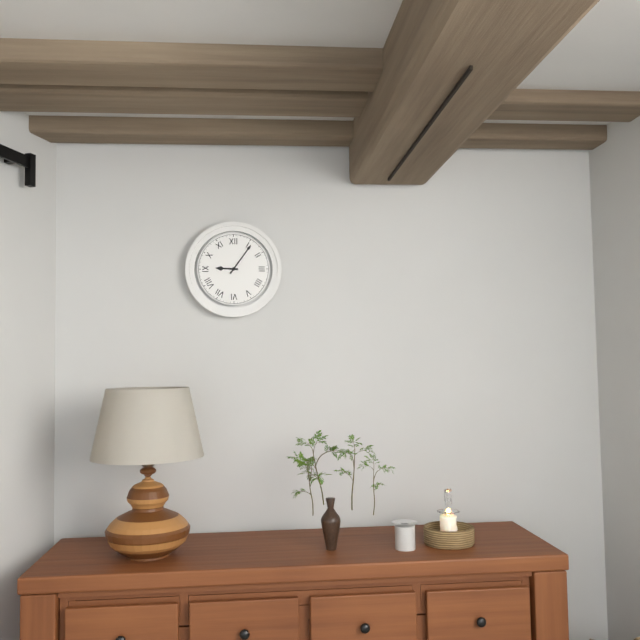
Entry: h=9 m=6
